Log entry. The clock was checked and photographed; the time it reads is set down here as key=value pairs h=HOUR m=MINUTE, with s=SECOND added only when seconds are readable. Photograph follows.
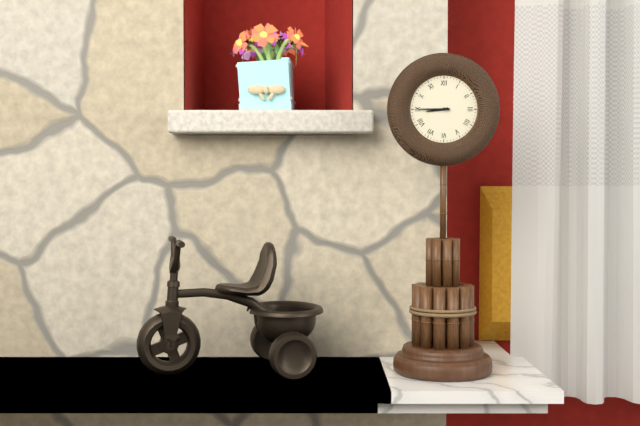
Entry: h=8 m=45
